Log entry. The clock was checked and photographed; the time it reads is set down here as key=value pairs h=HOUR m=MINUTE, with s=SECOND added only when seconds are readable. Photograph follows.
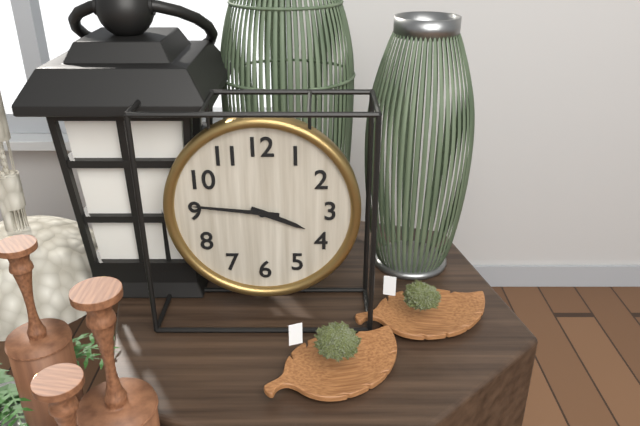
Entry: h=3 m=46
